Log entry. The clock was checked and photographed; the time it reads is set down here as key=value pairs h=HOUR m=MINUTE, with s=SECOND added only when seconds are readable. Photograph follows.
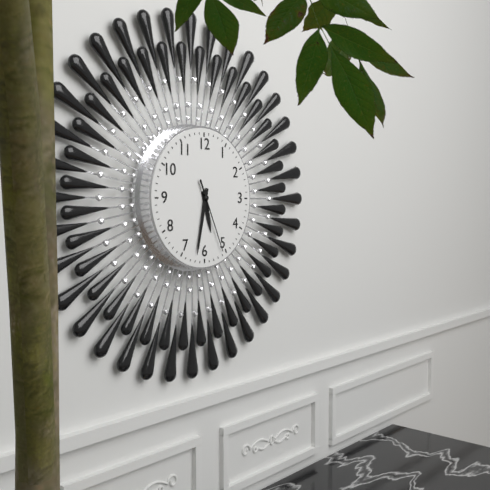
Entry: h=5 m=32 s=26
